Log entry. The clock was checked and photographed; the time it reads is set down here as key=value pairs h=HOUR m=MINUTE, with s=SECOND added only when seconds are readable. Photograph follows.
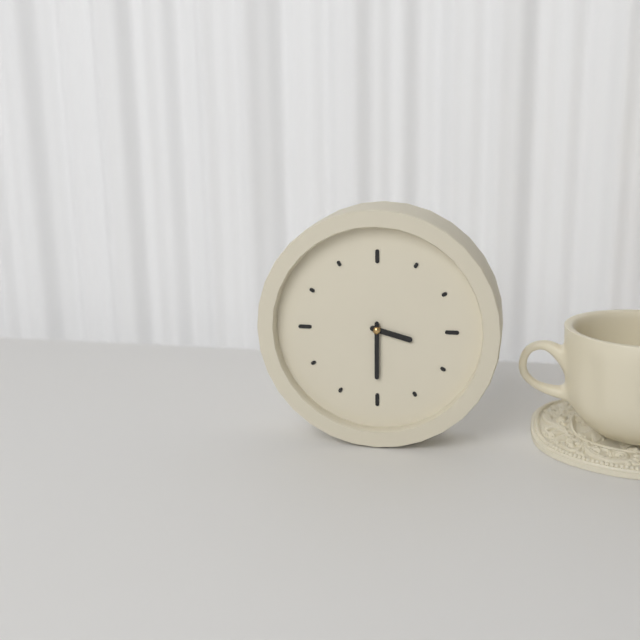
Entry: h=3 m=30
